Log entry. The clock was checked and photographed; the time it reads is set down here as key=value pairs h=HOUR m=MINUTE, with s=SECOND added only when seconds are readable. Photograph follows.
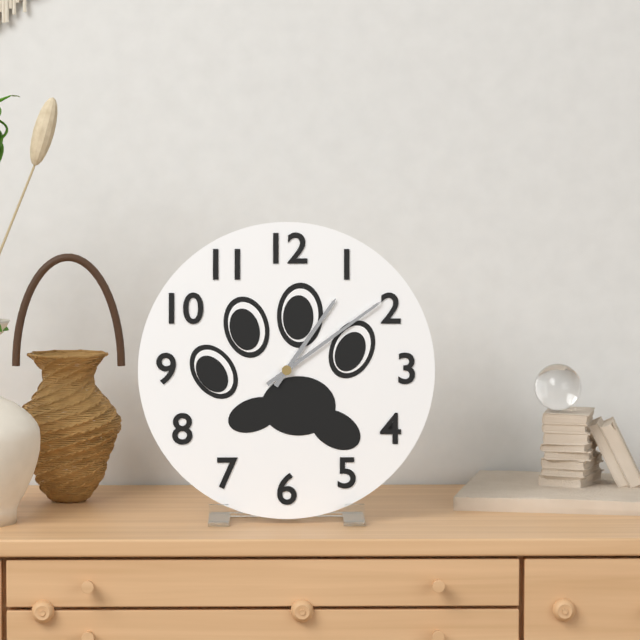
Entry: h=1 m=9
